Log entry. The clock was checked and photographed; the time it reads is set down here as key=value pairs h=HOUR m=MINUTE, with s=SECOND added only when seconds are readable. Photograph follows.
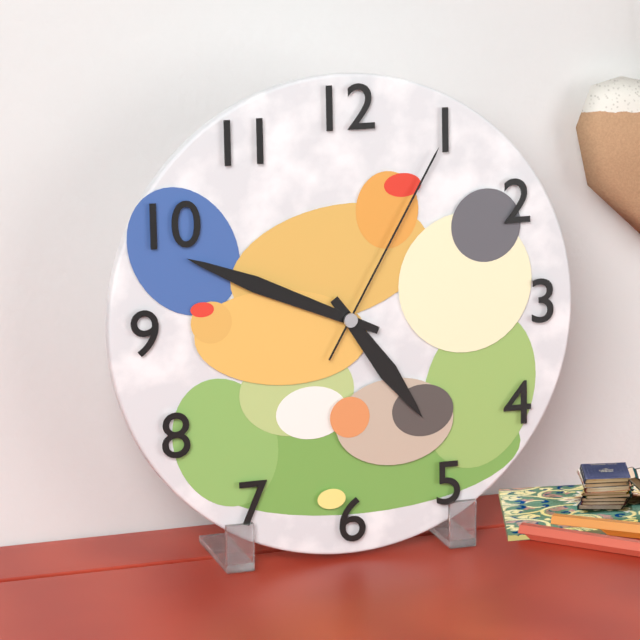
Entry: h=4 m=49 s=5
